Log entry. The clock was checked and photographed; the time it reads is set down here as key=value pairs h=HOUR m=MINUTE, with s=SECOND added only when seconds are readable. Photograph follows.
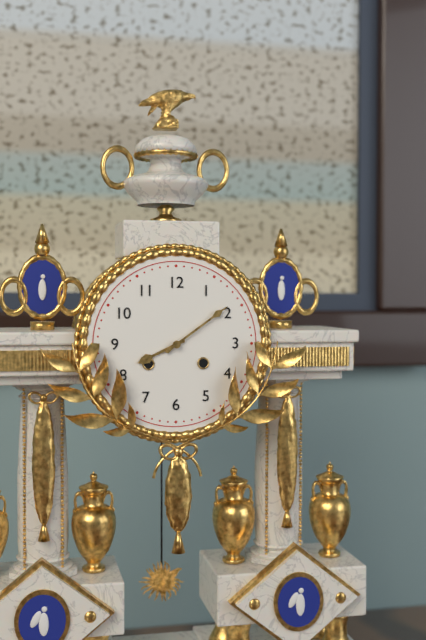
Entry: h=8 m=9
